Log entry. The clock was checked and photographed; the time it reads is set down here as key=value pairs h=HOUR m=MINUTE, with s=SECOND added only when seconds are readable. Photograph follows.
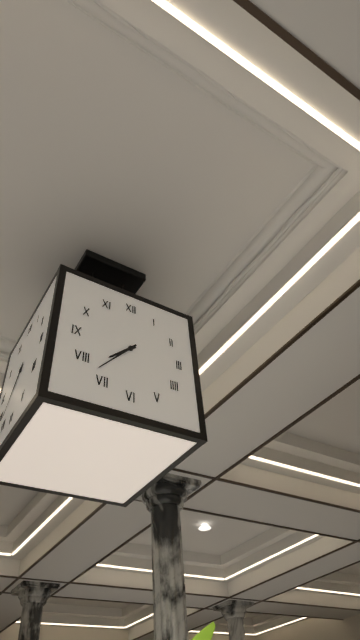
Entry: h=7 m=37
